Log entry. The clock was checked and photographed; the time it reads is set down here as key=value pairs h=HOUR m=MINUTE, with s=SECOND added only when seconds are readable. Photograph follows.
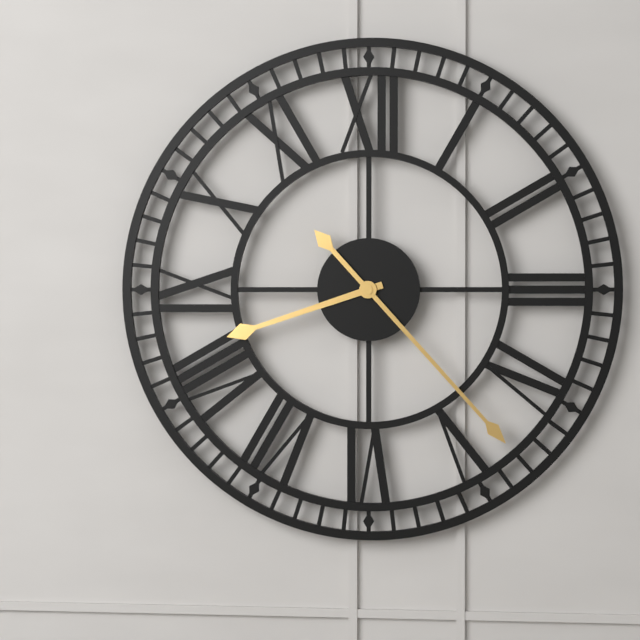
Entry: h=8 m=23
